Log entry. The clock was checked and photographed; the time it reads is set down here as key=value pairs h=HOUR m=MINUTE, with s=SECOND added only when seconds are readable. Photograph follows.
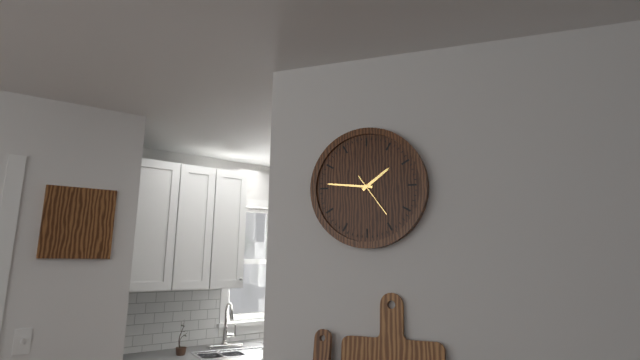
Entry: h=1 m=46
